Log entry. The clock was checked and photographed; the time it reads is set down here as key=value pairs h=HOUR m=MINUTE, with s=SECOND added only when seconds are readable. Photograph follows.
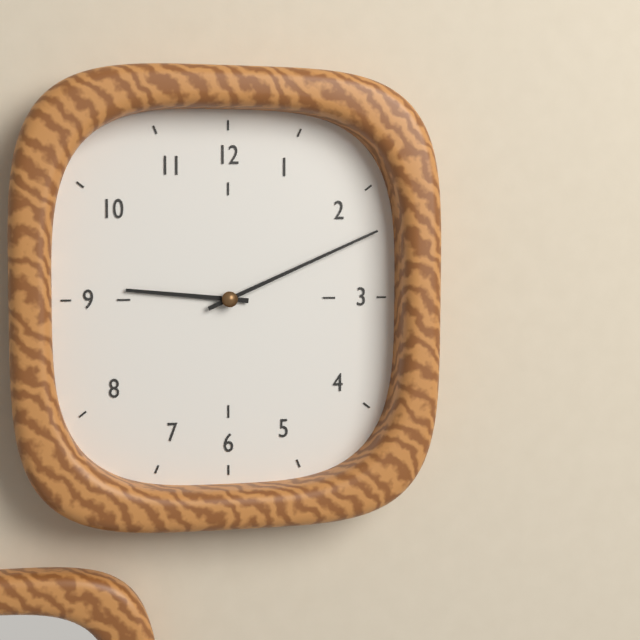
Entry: h=9 m=11
